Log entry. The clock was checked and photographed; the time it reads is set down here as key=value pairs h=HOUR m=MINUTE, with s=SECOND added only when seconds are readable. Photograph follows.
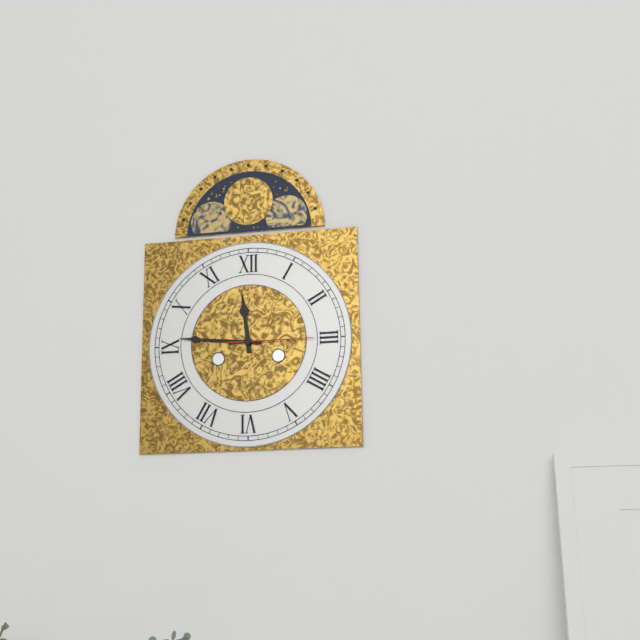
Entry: h=11 m=46 s=15
